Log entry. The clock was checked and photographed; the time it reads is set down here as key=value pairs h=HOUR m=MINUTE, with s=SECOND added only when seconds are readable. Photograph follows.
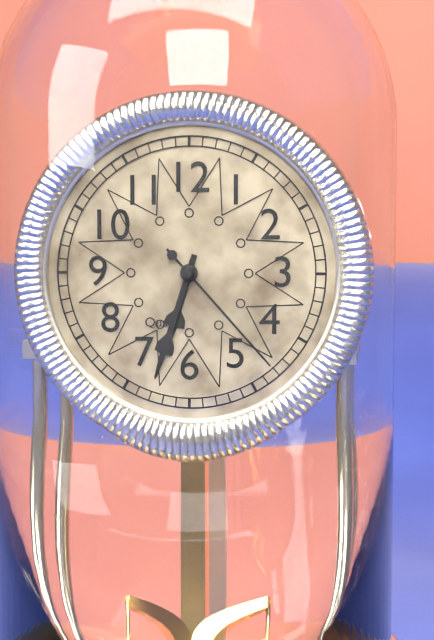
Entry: h=6 m=33 s=23
